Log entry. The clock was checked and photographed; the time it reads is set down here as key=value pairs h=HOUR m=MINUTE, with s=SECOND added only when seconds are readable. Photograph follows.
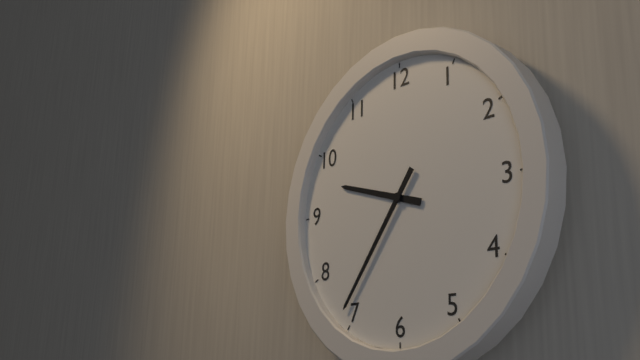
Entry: h=9 m=36
